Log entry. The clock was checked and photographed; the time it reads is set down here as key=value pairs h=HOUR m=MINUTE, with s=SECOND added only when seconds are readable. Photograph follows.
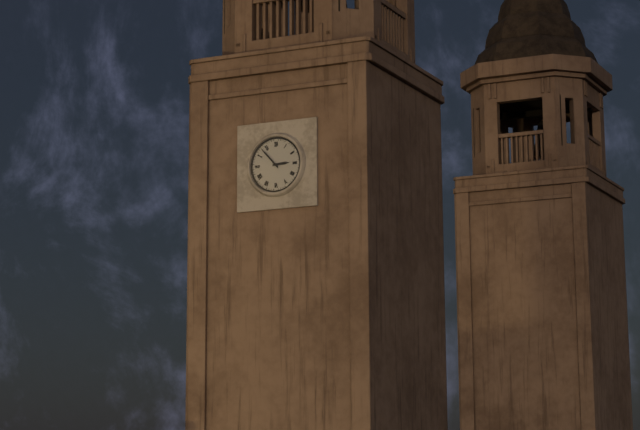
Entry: h=2 m=53
